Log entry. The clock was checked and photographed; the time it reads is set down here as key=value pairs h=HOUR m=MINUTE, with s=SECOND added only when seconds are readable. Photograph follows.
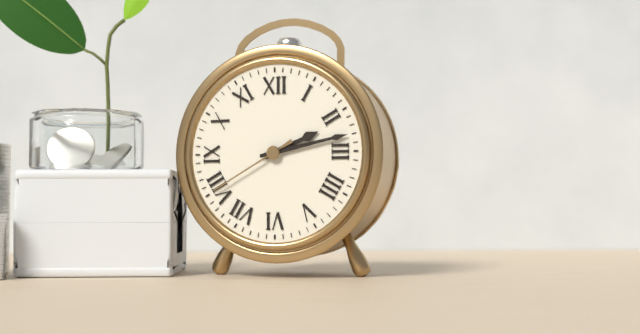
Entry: h=2 m=13 s=40
